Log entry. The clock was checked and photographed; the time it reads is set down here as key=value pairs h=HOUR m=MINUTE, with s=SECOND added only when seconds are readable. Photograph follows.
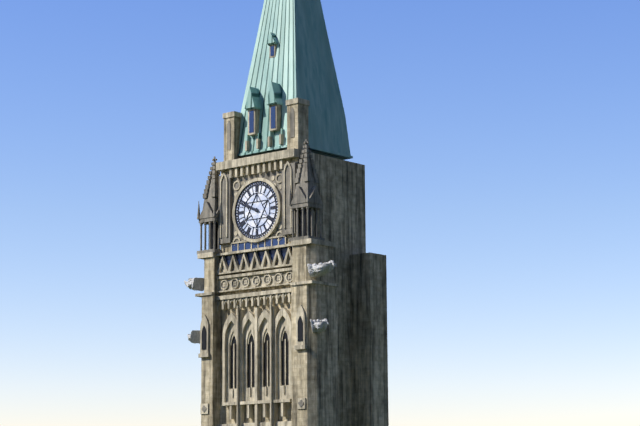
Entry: h=9 m=49
